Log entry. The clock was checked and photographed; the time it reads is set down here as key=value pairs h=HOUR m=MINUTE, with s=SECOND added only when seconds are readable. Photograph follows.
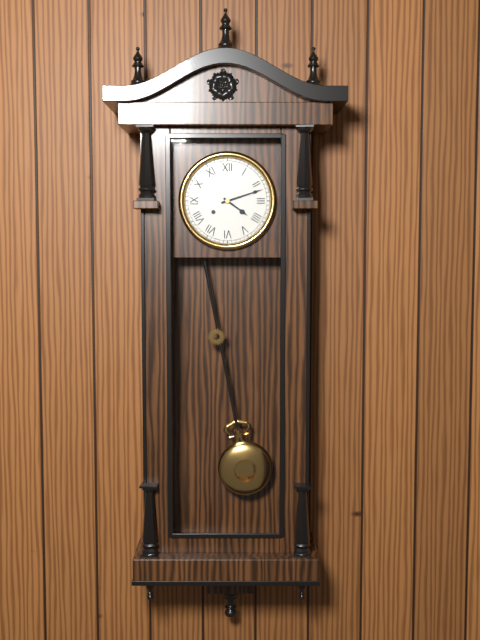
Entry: h=4 m=12
